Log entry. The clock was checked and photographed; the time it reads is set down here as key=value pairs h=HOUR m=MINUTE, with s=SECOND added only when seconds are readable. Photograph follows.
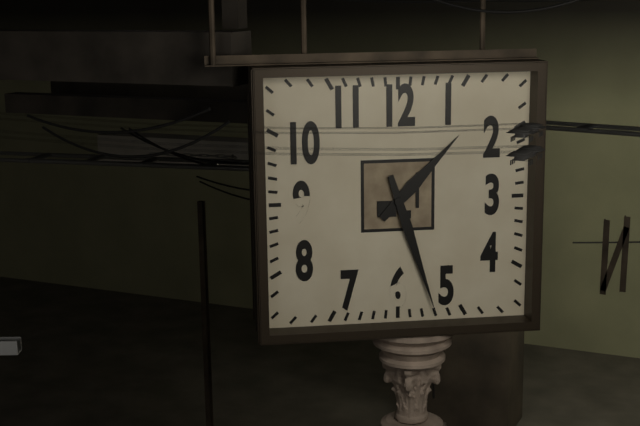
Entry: h=1 m=27
